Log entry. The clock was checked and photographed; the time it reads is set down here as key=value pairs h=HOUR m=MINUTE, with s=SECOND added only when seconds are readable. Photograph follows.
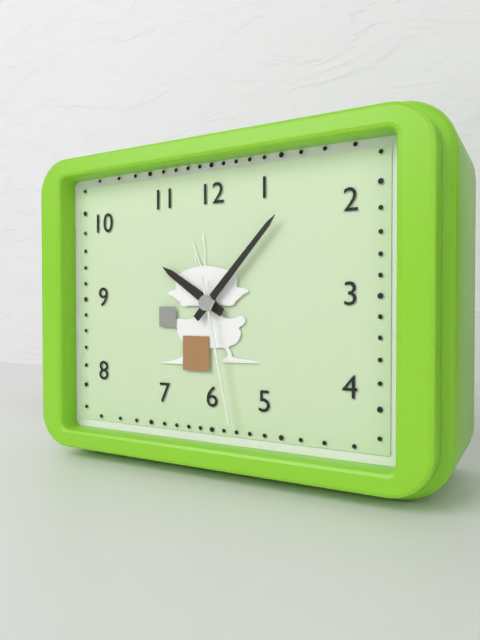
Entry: h=10 m=7 s=28
